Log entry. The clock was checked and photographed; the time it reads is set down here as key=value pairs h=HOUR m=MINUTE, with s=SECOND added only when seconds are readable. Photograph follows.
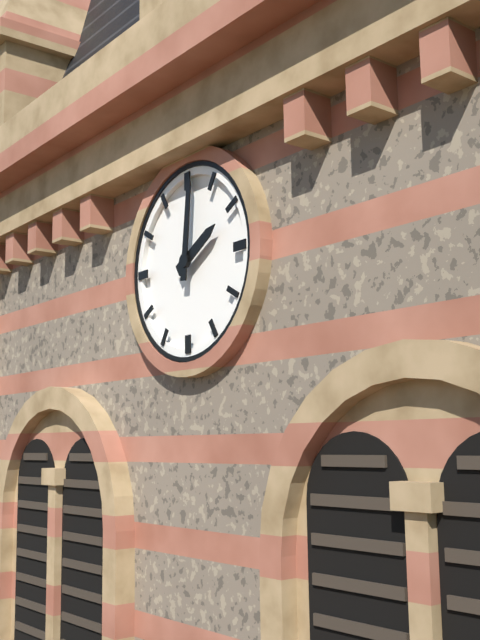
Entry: h=2 m=1
